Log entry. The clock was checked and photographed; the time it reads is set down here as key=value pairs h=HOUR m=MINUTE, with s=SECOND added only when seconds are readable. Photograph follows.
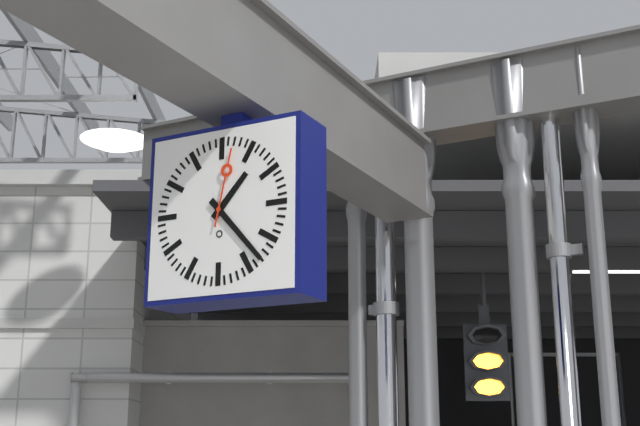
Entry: h=1 m=23 s=2
